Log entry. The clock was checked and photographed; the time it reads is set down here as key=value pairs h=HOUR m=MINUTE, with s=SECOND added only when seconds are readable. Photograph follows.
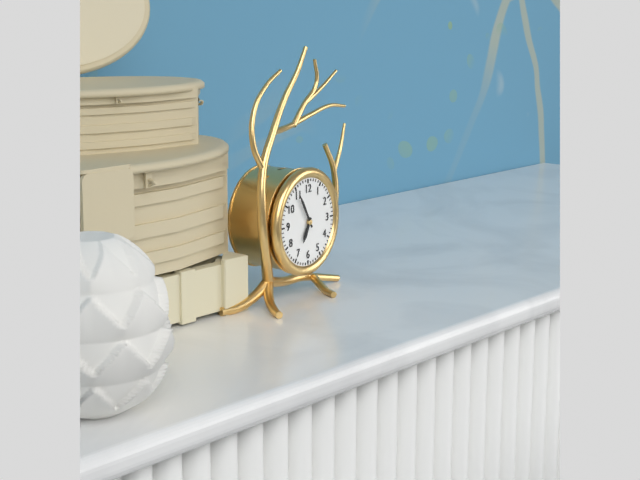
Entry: h=6 m=55
